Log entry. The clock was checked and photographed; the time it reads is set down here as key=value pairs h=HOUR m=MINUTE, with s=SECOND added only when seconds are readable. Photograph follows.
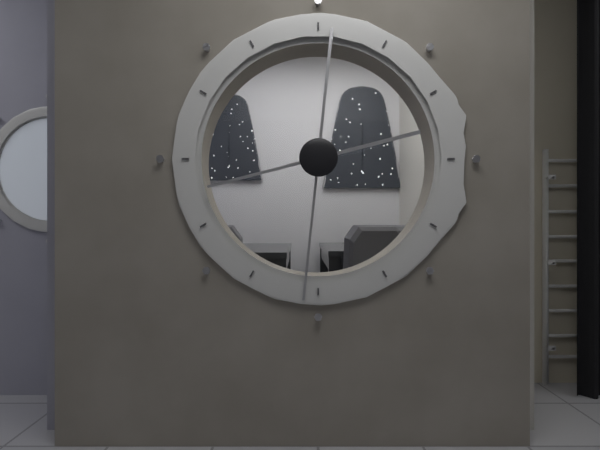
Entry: h=8 m=31
